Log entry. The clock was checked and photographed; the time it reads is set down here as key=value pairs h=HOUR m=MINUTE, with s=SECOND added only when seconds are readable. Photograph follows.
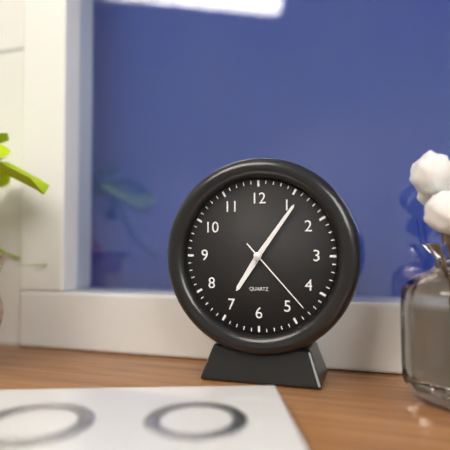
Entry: h=7 m=6 s=23
